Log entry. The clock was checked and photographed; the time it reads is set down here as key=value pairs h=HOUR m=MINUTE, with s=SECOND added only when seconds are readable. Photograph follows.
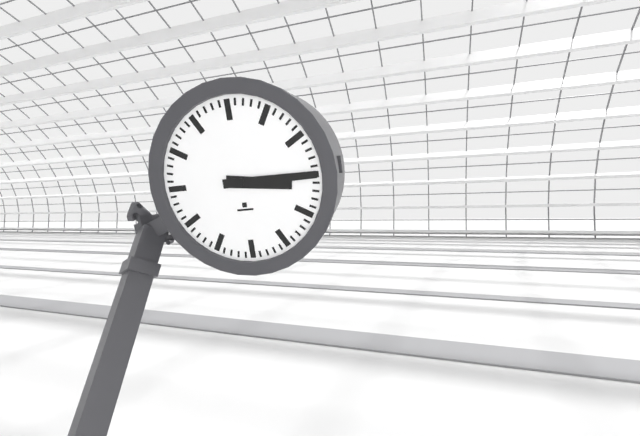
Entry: h=3 m=15
